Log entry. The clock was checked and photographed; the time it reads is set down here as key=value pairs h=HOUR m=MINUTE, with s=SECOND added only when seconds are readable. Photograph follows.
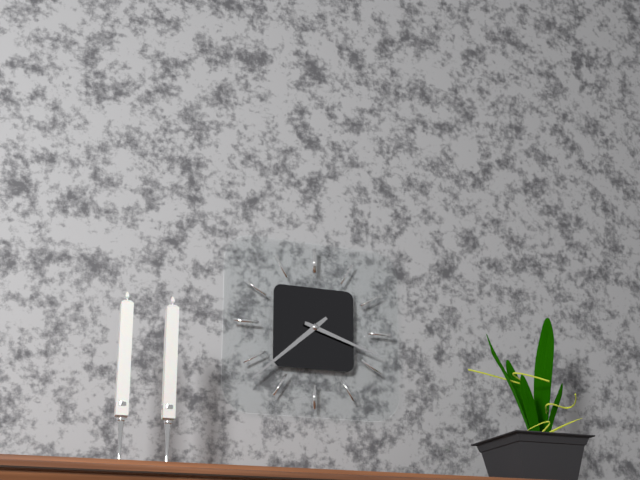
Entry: h=3 m=38
